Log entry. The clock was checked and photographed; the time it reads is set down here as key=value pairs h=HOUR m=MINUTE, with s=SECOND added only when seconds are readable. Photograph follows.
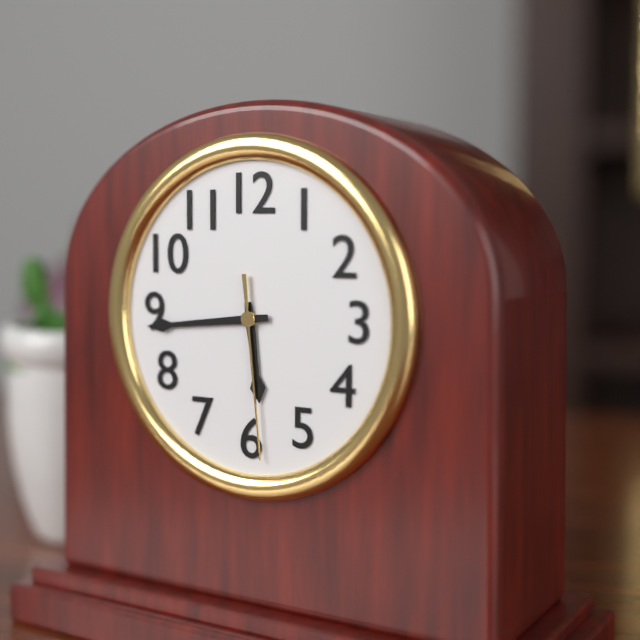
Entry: h=5 m=44 s=29
